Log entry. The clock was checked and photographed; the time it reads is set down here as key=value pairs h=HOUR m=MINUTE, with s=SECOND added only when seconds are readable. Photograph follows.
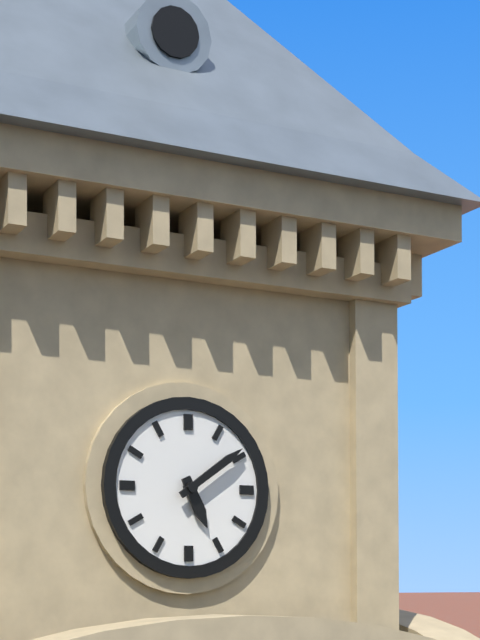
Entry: h=5 m=9
